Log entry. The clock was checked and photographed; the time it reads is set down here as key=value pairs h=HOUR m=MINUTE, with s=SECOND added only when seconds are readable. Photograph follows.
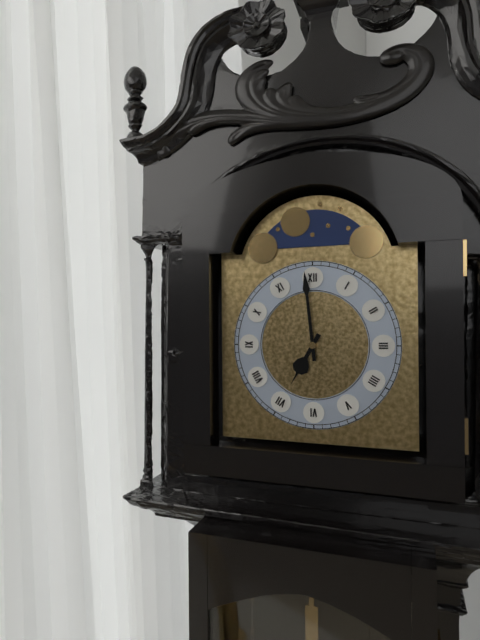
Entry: h=6 m=59
